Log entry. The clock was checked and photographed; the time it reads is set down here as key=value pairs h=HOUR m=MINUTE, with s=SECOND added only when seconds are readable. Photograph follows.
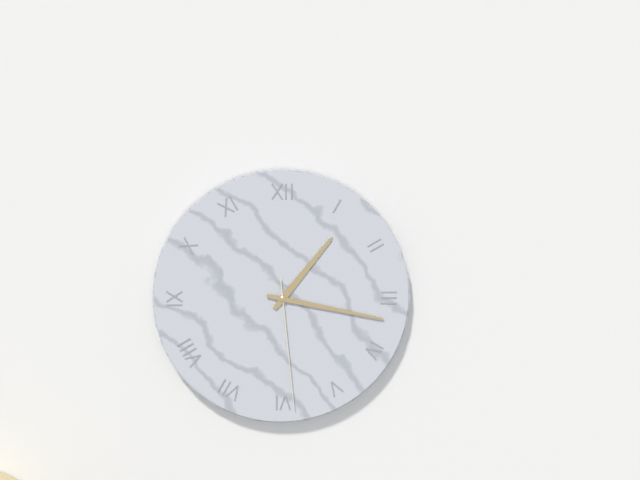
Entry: h=1 m=17 s=29
